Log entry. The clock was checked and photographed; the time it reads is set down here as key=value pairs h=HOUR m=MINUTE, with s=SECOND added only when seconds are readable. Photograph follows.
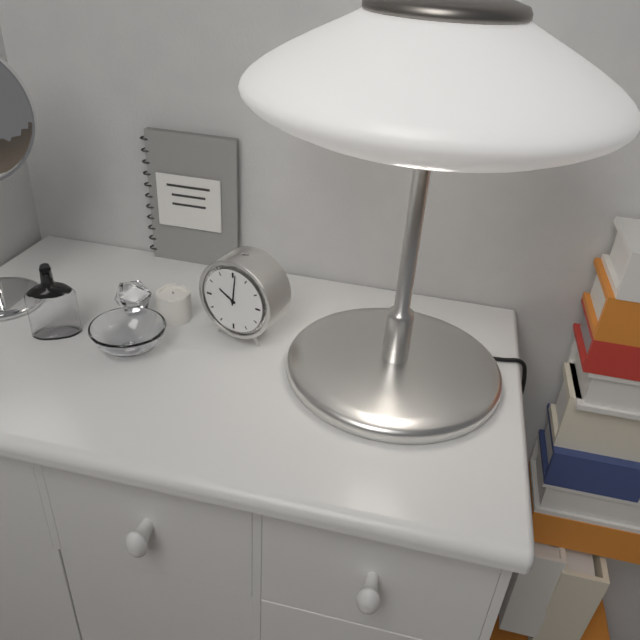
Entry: h=10 m=1
